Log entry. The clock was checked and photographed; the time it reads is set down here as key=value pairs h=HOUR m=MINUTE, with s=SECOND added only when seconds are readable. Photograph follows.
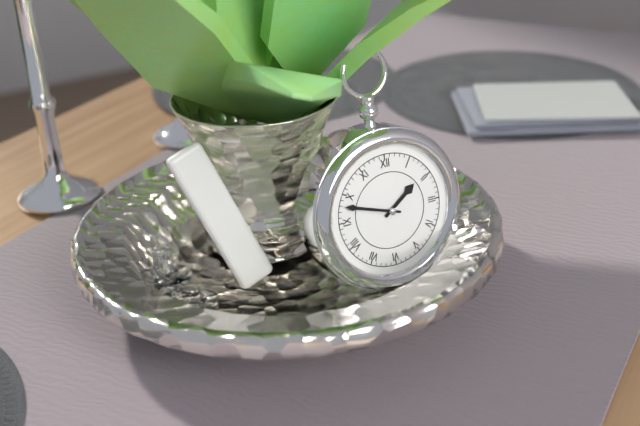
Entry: h=1 m=48
